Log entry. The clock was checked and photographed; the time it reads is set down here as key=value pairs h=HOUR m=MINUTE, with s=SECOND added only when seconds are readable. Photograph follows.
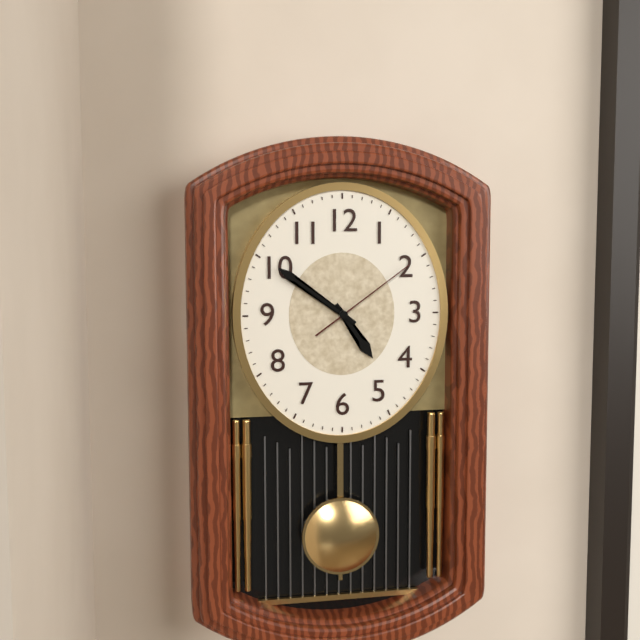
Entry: h=4 m=51 s=9
